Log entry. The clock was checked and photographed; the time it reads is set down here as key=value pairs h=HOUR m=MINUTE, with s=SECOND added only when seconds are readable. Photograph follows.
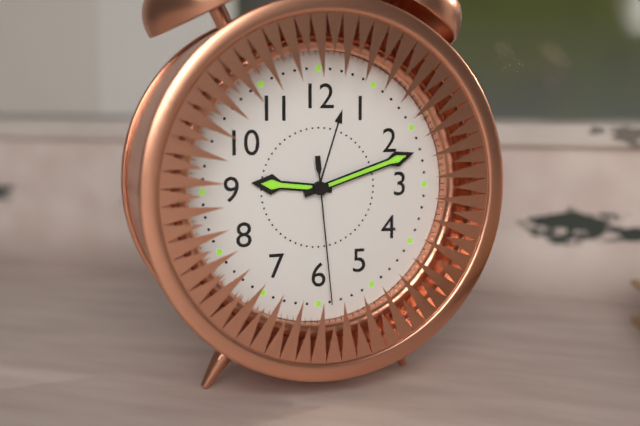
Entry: h=9 m=12 s=29
